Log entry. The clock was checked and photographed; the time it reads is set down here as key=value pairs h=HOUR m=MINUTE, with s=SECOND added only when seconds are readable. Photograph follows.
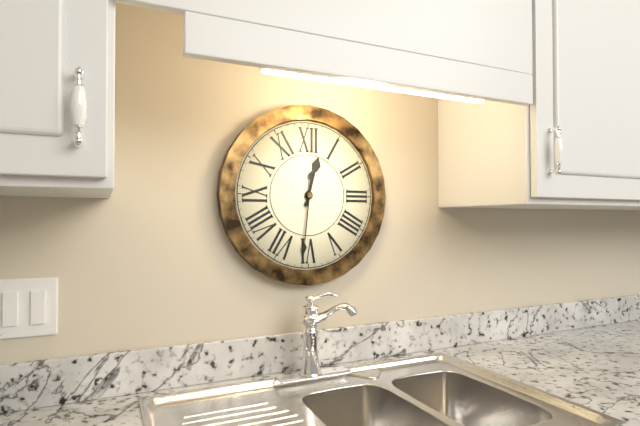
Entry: h=12 m=31
